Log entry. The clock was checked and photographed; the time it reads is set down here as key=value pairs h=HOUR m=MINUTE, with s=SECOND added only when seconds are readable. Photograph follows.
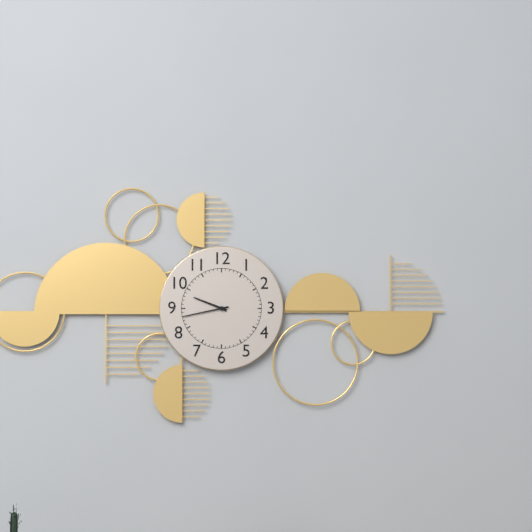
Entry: h=9 m=43
